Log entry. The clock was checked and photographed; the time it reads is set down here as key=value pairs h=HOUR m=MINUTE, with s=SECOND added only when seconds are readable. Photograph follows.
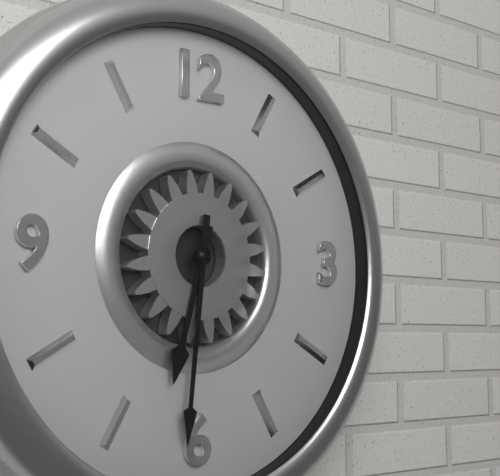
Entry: h=6 m=31
